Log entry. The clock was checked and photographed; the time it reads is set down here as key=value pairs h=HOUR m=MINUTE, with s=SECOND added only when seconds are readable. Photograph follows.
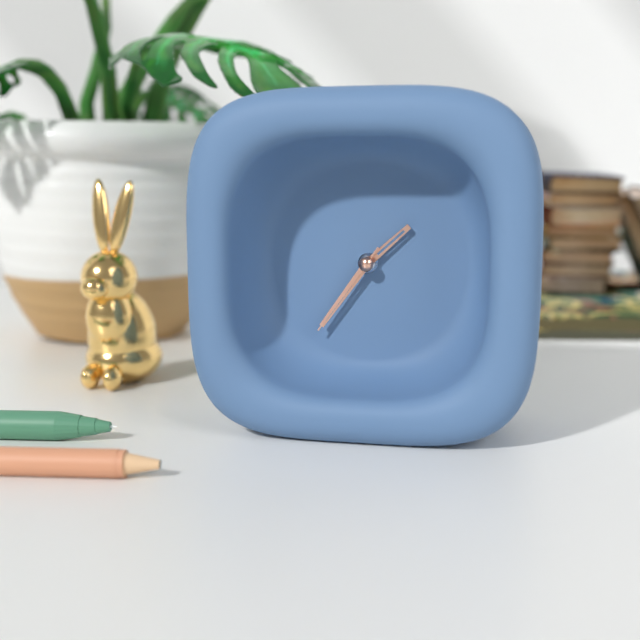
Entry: h=1 m=36 s=36
